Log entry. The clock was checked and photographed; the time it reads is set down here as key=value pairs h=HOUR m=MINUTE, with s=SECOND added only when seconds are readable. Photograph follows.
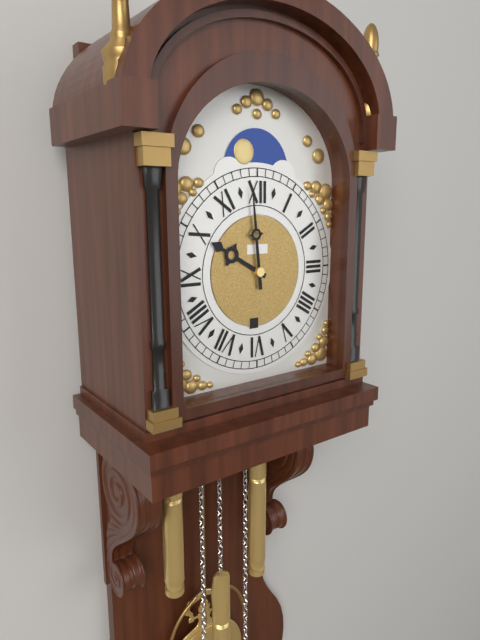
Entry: h=9 m=59
